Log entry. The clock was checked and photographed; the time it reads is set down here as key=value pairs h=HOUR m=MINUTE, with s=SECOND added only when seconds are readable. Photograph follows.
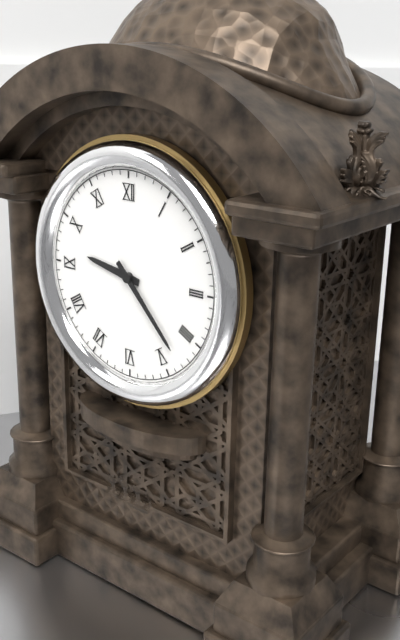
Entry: h=9 m=23
